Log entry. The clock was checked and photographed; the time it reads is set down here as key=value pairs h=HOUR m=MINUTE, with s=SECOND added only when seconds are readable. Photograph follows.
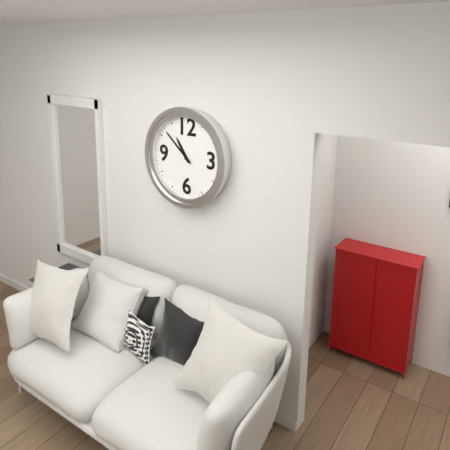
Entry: h=10 m=52
